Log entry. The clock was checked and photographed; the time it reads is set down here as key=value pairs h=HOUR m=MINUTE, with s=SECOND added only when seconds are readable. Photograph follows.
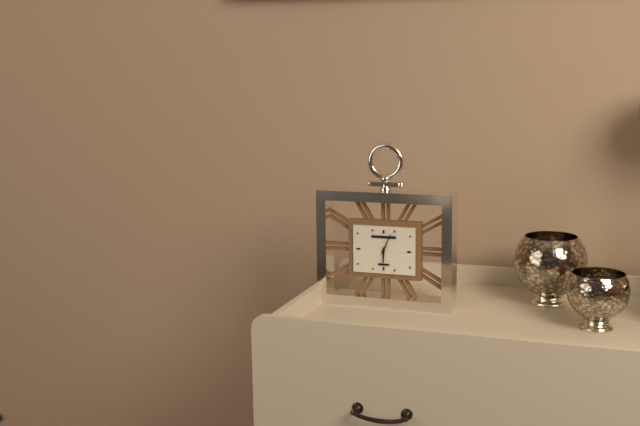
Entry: h=6 m=4
